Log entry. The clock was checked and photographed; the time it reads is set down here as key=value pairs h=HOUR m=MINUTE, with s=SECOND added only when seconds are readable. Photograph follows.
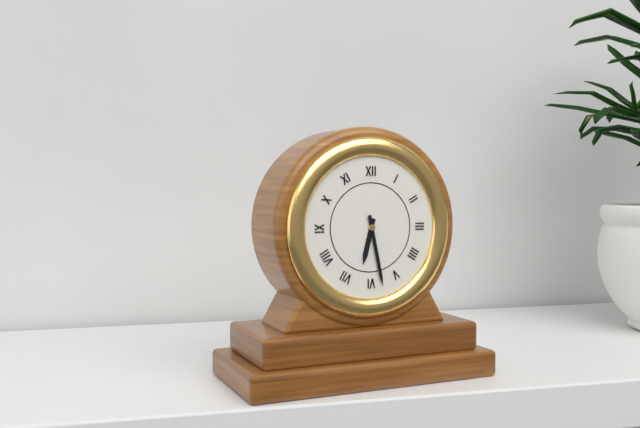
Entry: h=6 m=28
